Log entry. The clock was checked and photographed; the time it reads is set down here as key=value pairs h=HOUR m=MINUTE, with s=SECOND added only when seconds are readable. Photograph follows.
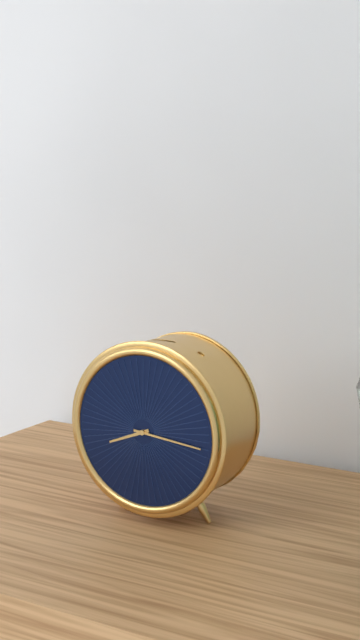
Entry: h=8 m=16
